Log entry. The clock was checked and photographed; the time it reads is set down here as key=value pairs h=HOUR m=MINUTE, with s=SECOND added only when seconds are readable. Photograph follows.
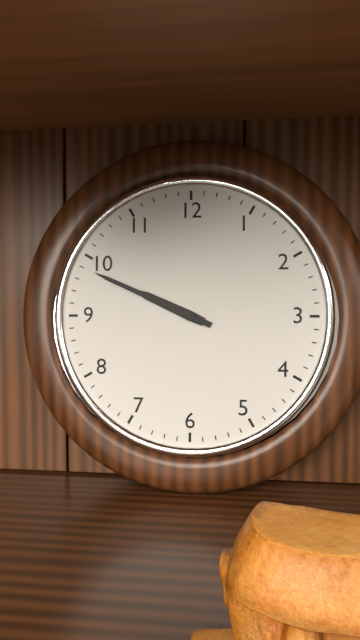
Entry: h=9 m=49
